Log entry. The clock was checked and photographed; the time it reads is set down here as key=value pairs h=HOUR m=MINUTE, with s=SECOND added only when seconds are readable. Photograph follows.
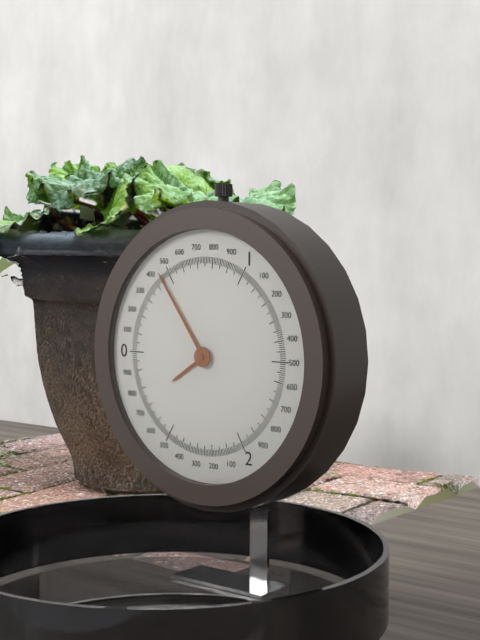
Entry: h=7 m=54
